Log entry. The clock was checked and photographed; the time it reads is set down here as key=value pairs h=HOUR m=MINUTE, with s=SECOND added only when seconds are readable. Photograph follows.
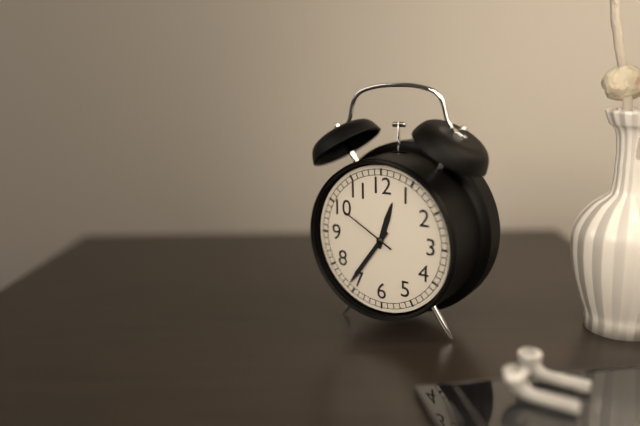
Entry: h=12 m=36 s=50
